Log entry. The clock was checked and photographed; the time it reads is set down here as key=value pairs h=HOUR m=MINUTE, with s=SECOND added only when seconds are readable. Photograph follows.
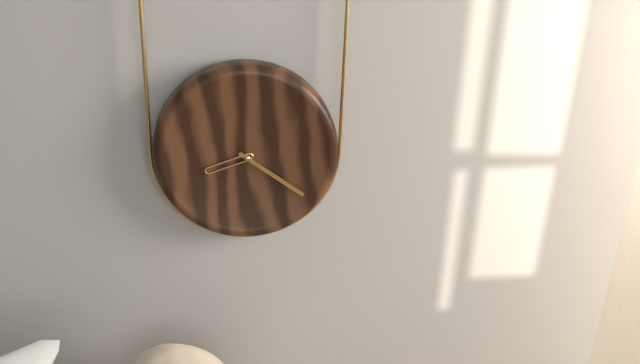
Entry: h=8 m=21
